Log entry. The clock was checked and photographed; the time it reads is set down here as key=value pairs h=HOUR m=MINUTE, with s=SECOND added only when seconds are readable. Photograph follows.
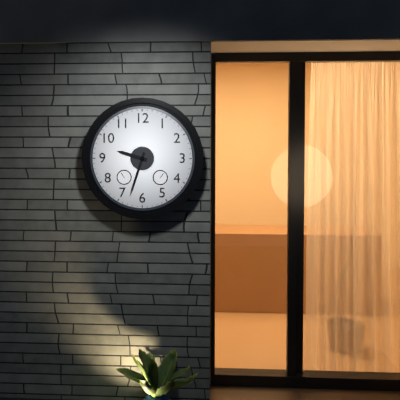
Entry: h=9 m=33
